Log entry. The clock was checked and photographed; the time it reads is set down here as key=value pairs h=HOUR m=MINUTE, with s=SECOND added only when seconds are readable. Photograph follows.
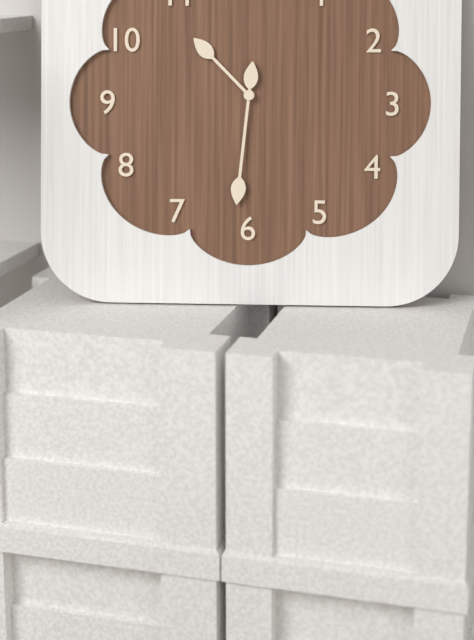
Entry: h=10 m=31
